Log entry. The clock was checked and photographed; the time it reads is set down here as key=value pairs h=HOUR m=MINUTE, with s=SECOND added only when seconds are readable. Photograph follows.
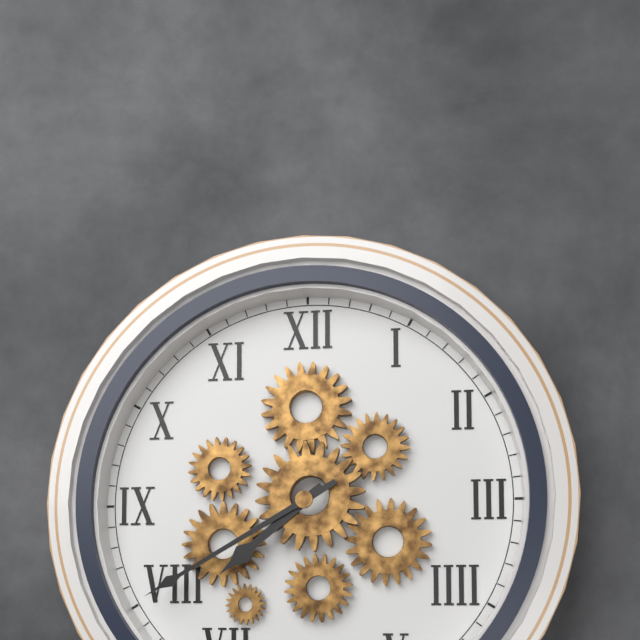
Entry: h=7 m=40
